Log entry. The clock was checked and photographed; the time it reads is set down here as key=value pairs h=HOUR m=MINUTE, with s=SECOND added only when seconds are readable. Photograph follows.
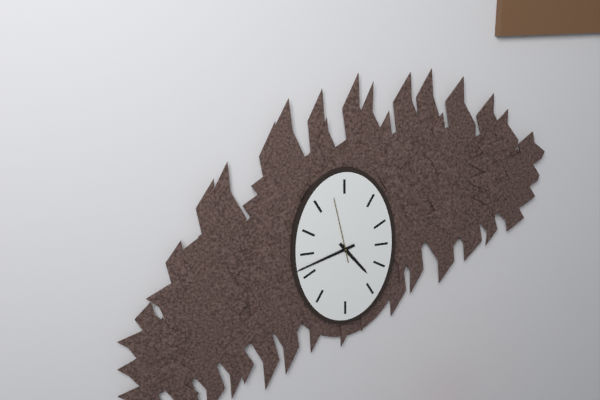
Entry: h=4 m=42 s=58
